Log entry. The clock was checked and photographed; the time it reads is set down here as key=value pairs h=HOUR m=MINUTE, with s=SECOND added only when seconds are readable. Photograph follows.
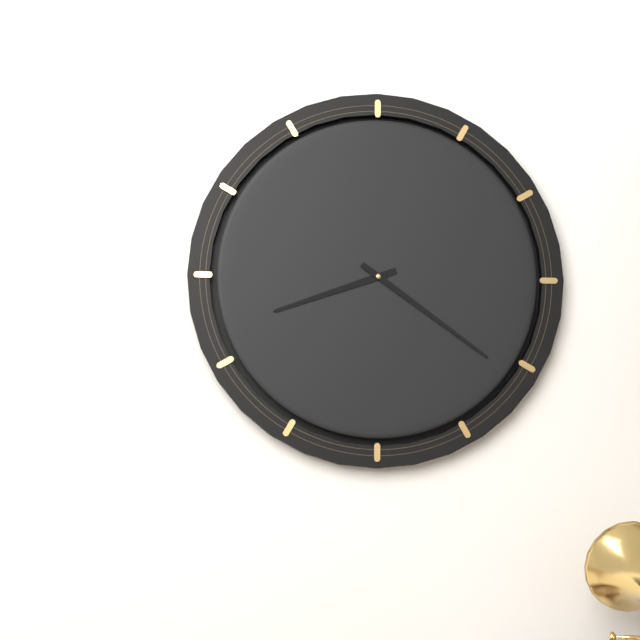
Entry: h=8 m=21
